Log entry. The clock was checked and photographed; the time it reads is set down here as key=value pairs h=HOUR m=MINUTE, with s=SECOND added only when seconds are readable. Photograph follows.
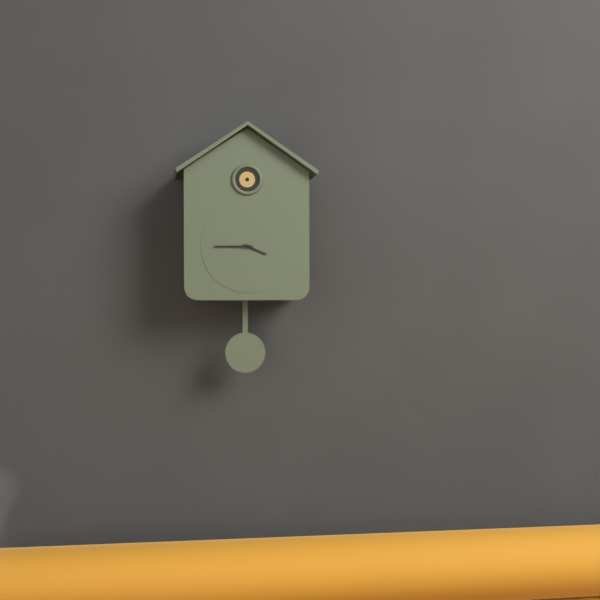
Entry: h=3 m=45
